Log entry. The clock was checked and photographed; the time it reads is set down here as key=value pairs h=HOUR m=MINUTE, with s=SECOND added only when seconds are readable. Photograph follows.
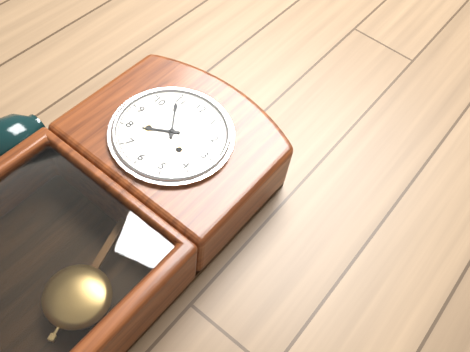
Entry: h=7 m=54
